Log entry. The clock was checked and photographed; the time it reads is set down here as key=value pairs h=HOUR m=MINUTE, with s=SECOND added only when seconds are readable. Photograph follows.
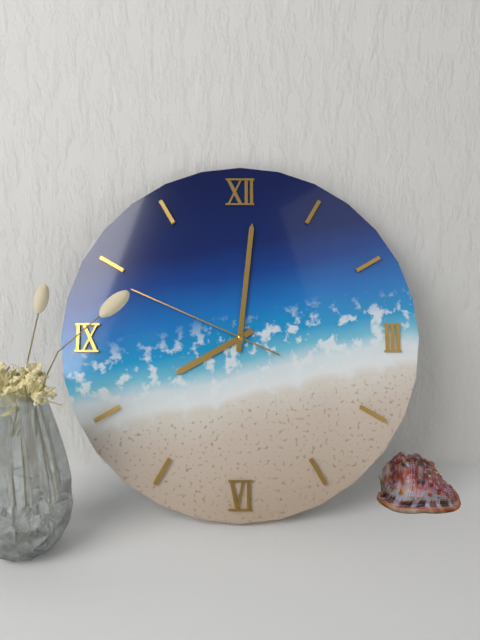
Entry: h=8 m=1 s=49
